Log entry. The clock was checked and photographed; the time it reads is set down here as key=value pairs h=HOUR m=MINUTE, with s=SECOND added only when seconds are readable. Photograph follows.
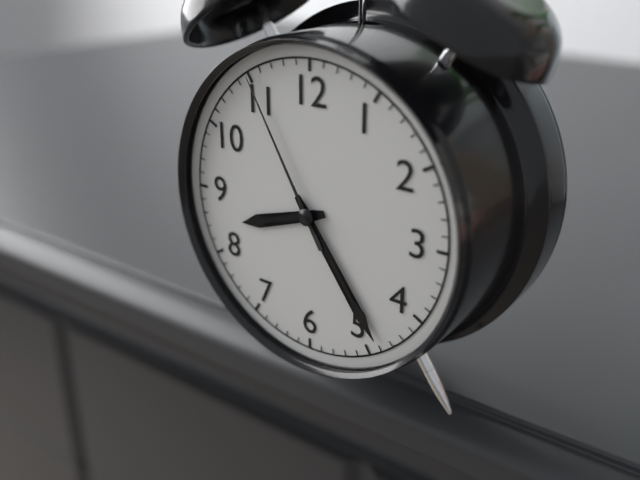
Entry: h=8 m=24 s=55
